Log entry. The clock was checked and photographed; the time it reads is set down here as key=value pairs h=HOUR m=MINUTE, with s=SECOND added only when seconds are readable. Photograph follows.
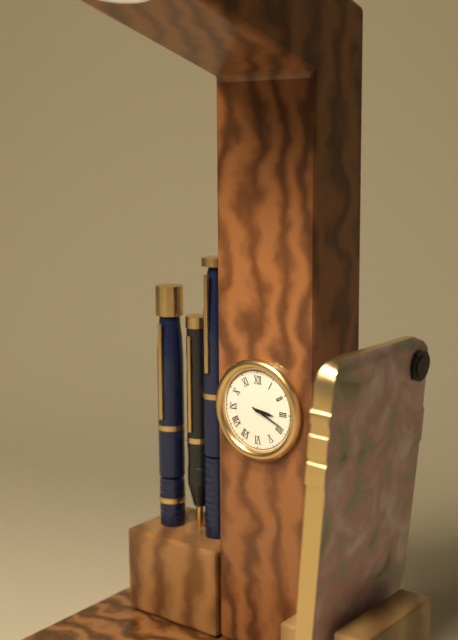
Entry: h=3 m=19
